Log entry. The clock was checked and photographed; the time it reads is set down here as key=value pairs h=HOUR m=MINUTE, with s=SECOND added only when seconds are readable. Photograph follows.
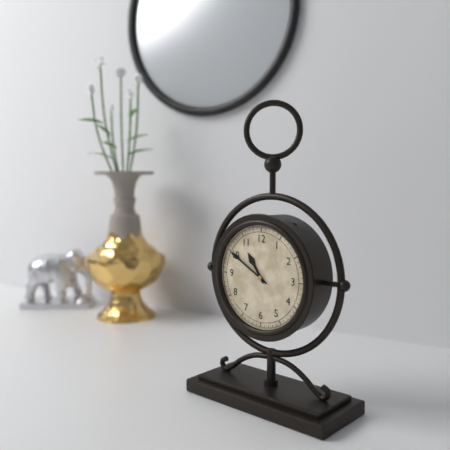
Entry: h=10 m=50
